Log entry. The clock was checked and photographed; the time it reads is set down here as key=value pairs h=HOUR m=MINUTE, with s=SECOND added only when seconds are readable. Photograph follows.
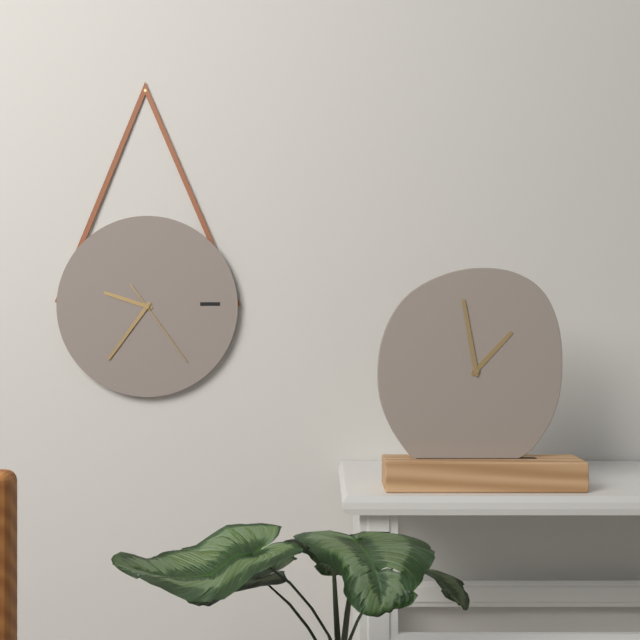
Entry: h=9 m=36 s=24
